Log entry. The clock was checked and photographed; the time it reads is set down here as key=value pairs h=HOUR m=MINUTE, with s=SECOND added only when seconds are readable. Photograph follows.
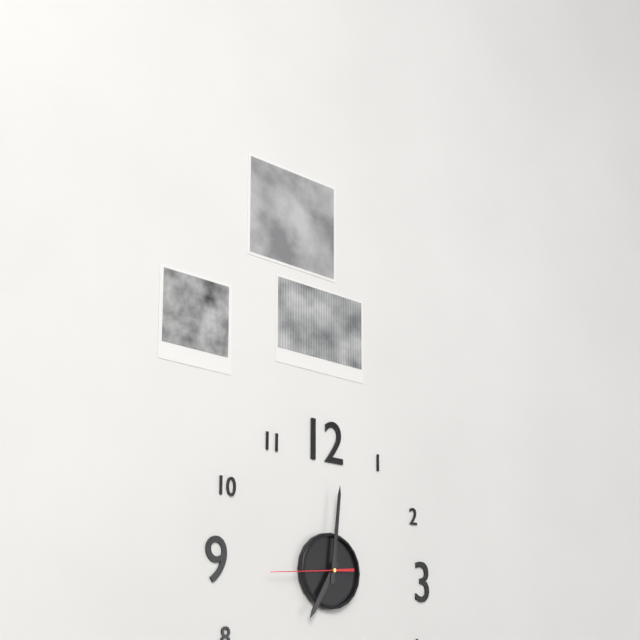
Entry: h=7 m=1 s=44
